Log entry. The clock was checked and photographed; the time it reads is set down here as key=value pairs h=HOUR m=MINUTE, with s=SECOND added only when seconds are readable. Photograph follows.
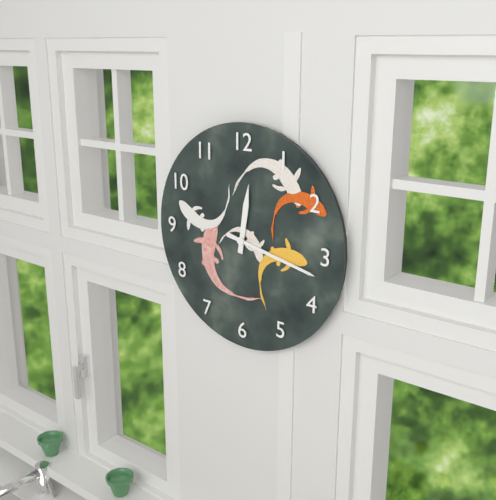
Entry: h=12 m=17
